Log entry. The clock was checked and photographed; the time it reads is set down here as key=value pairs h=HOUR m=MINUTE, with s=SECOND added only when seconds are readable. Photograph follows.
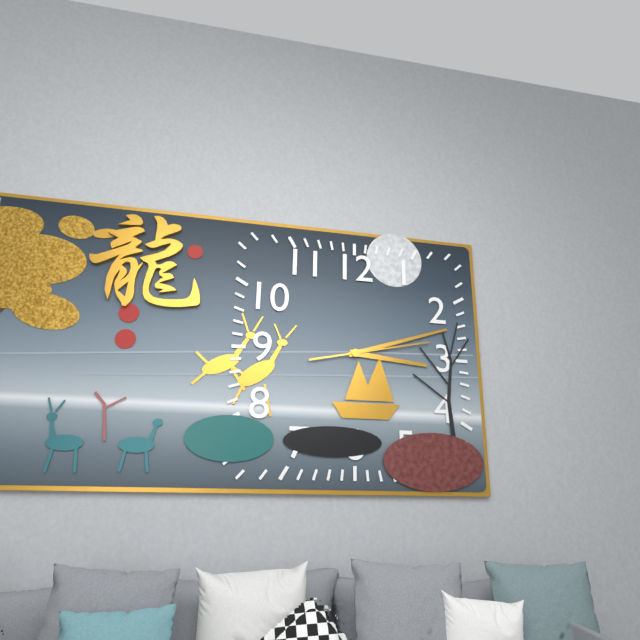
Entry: h=3 m=12 s=13
